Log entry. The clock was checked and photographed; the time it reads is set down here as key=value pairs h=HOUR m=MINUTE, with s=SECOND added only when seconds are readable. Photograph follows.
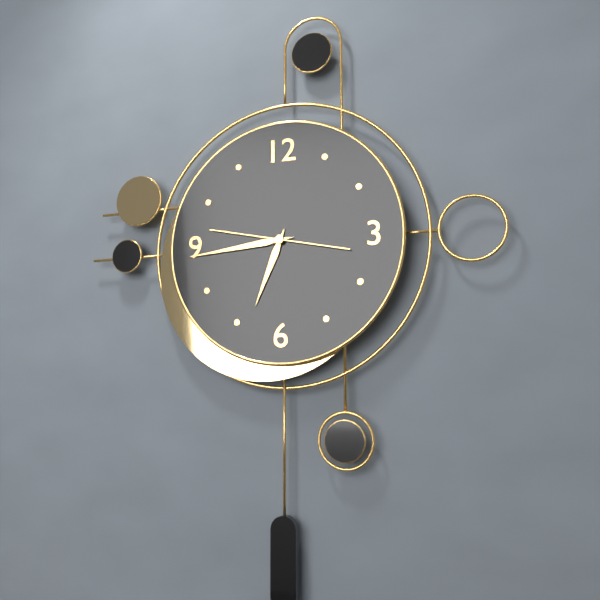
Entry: h=6 m=44 s=47
